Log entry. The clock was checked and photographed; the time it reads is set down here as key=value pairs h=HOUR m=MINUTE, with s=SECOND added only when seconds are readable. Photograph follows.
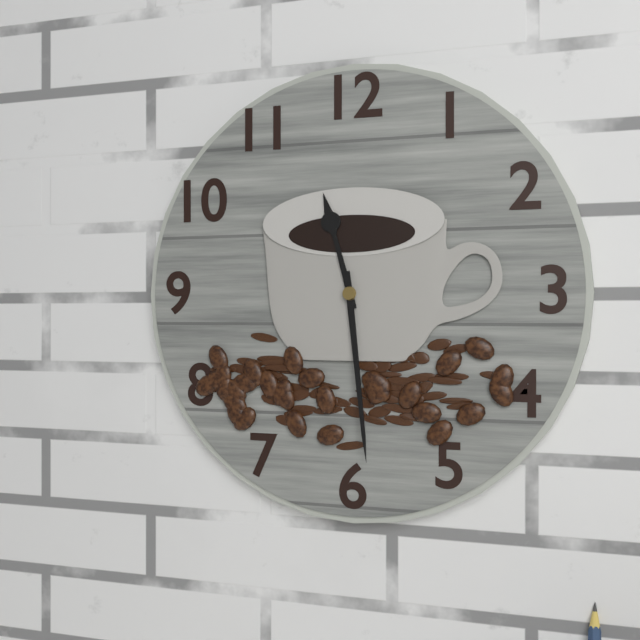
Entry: h=11 m=29
